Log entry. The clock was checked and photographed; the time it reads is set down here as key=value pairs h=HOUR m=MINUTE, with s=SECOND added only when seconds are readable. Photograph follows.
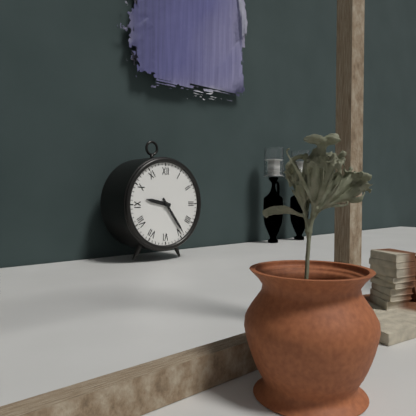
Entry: h=9 m=24
